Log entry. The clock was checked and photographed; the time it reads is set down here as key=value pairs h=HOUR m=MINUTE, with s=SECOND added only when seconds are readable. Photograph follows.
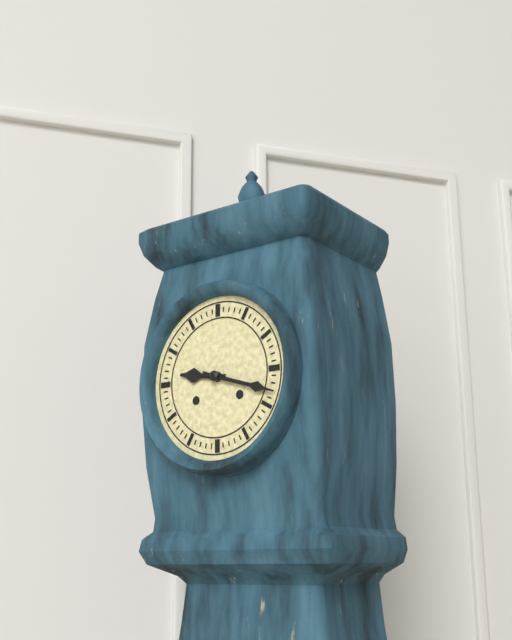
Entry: h=9 m=18
